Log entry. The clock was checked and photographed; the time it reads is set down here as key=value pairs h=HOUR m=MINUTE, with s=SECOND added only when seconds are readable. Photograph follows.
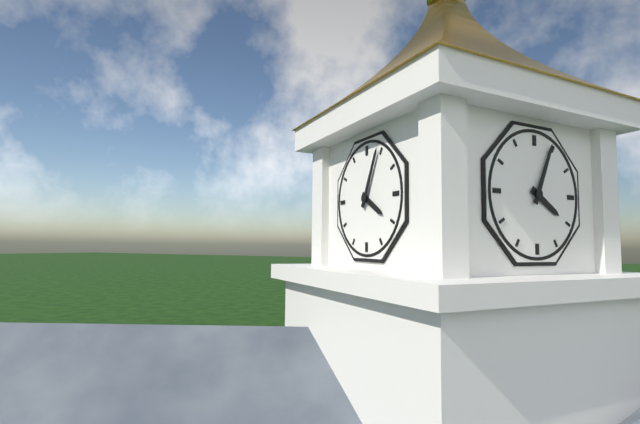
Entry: h=4 m=4
